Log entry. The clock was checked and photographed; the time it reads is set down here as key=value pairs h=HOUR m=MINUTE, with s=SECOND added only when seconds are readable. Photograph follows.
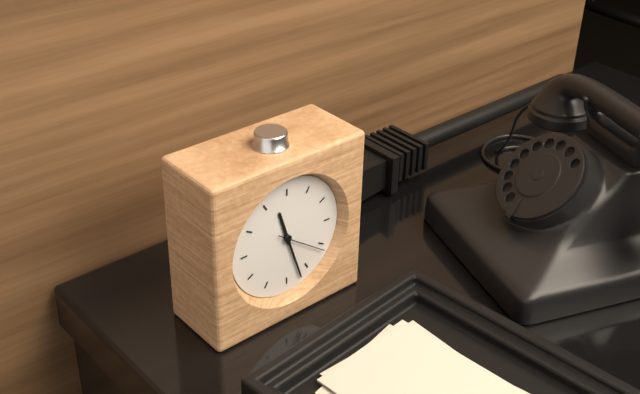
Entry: h=11 m=27 s=21
